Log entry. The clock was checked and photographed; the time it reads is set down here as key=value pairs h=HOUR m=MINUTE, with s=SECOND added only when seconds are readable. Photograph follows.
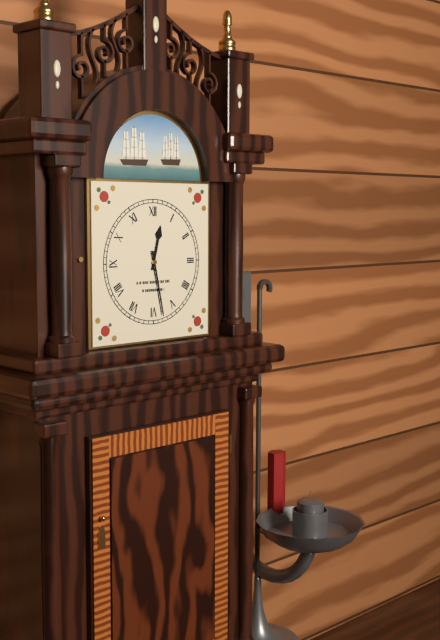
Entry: h=12 m=28
